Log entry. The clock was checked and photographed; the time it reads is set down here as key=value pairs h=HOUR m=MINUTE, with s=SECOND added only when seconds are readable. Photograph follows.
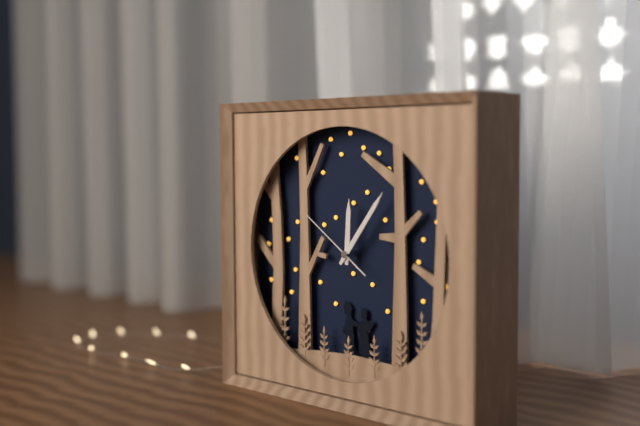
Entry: h=12 m=6 s=51
